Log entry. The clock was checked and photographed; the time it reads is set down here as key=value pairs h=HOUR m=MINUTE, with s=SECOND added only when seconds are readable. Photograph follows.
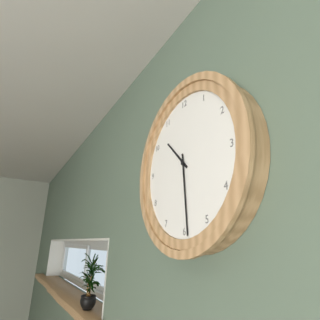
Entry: h=10 m=29
